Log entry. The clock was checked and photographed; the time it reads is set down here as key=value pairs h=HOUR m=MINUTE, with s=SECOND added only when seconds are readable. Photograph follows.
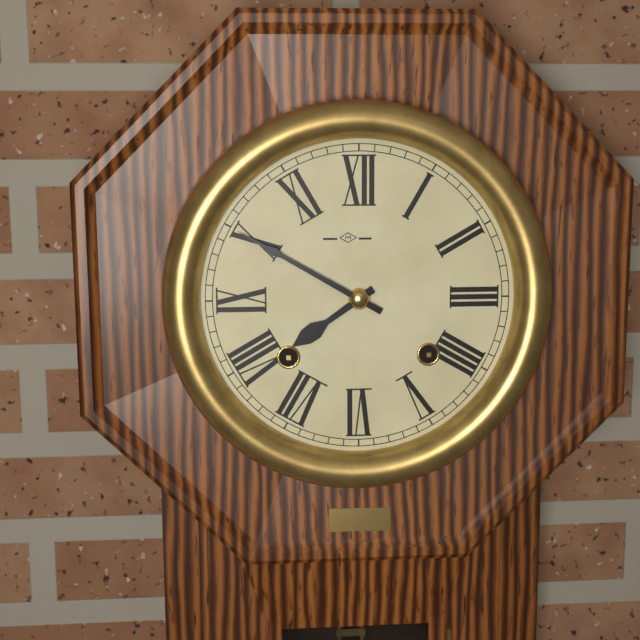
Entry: h=7 m=50
